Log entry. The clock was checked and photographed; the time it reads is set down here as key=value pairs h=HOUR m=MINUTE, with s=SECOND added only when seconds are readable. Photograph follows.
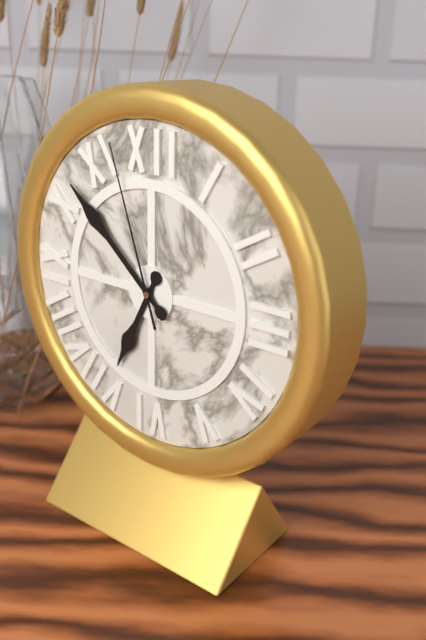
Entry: h=6 m=52 s=57
